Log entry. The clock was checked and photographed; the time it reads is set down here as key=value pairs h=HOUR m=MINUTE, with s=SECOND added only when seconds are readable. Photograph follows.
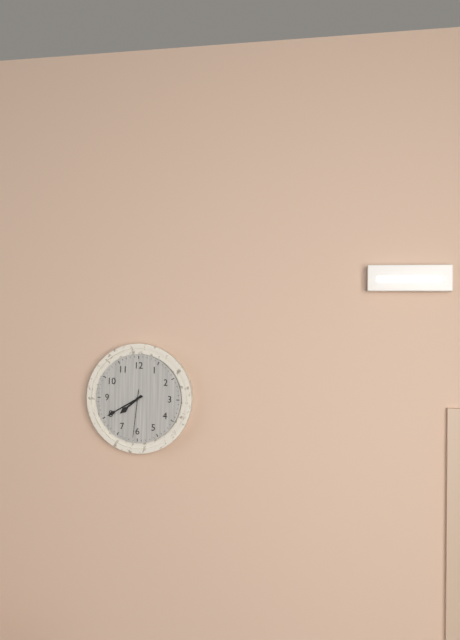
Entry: h=7 m=40
